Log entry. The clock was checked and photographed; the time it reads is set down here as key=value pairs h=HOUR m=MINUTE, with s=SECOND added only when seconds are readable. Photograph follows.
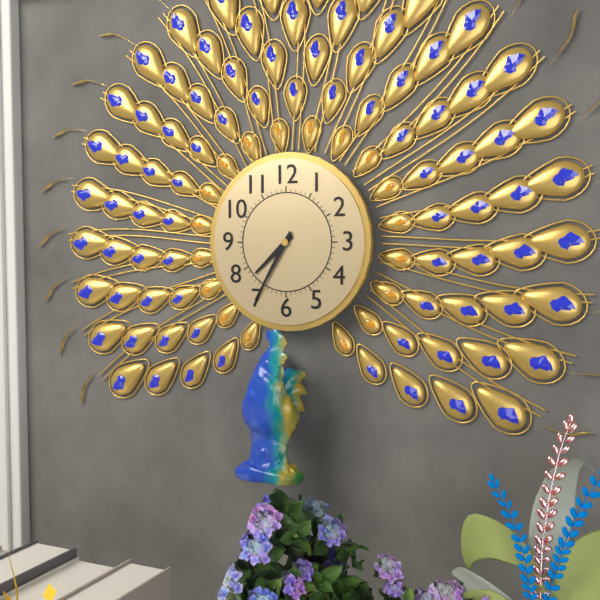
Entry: h=7 m=35
